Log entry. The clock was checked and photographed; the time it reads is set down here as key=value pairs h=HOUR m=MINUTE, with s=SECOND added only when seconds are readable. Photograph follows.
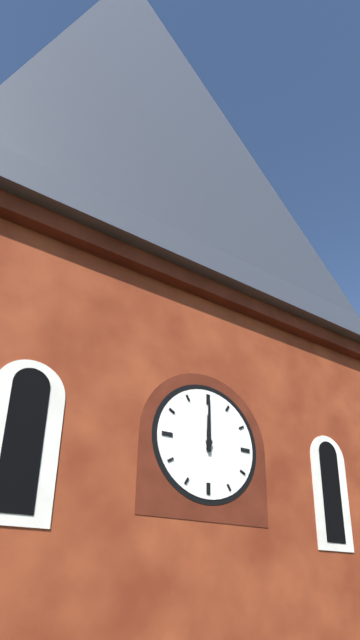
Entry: h=12 m=0
